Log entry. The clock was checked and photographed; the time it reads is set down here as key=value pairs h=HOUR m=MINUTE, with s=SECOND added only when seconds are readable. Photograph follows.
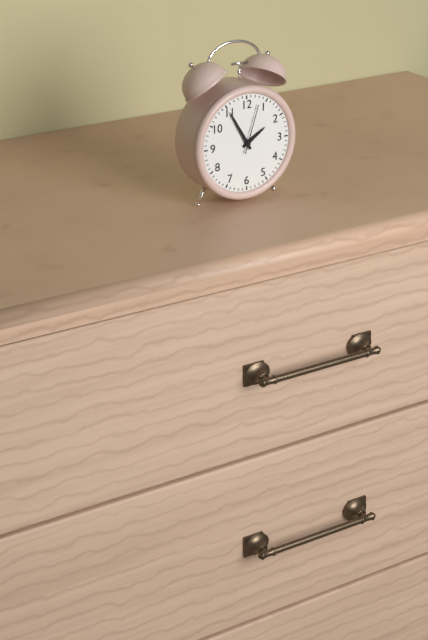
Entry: h=1 m=55 s=3
